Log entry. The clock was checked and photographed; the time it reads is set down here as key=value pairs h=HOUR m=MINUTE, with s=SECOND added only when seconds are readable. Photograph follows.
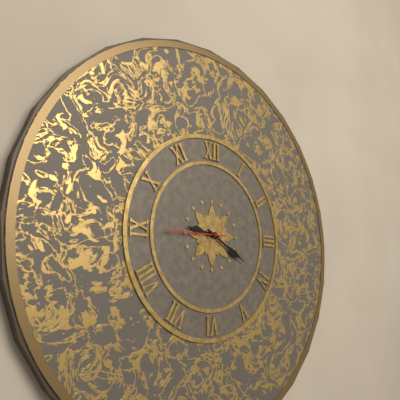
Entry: h=9 m=20 s=45
